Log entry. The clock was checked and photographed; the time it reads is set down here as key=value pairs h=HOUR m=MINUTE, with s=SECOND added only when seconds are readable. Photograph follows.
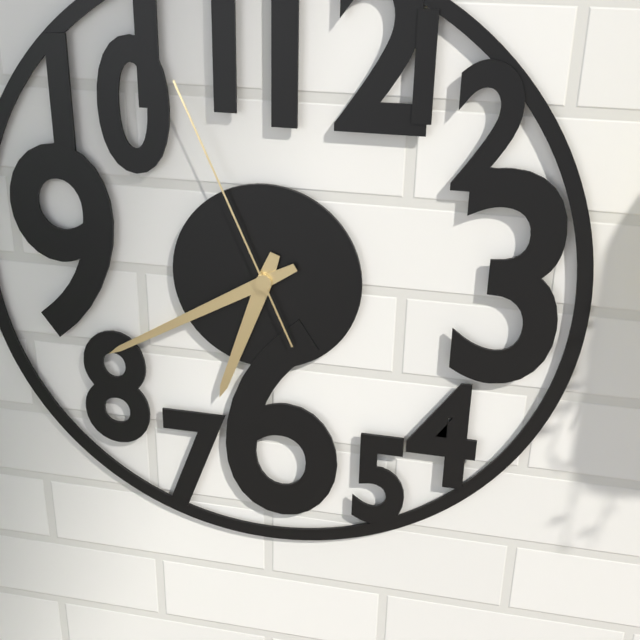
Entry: h=6 m=40 s=56
